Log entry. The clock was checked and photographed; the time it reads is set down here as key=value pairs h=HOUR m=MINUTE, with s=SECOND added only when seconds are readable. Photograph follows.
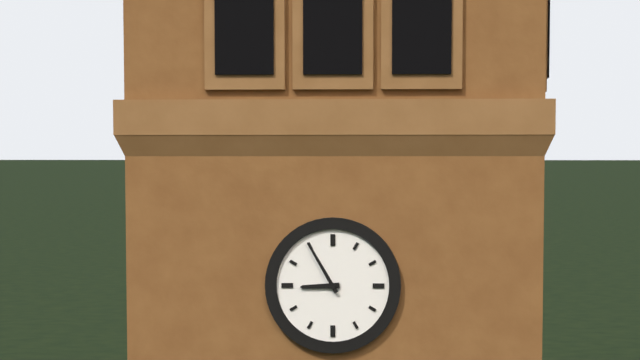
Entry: h=8 m=55
